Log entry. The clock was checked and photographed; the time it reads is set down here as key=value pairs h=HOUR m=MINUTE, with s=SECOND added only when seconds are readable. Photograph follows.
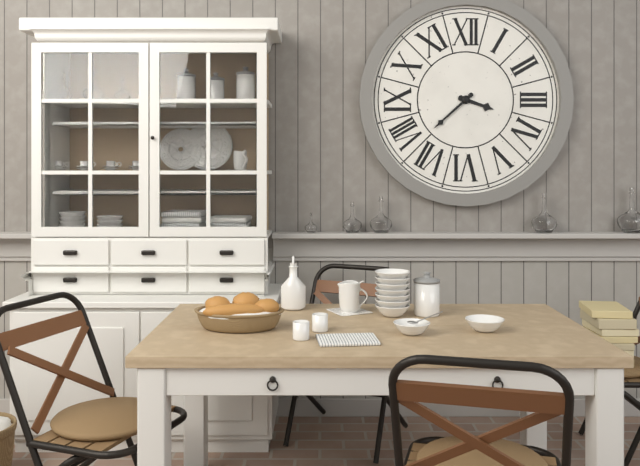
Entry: h=3 m=38
